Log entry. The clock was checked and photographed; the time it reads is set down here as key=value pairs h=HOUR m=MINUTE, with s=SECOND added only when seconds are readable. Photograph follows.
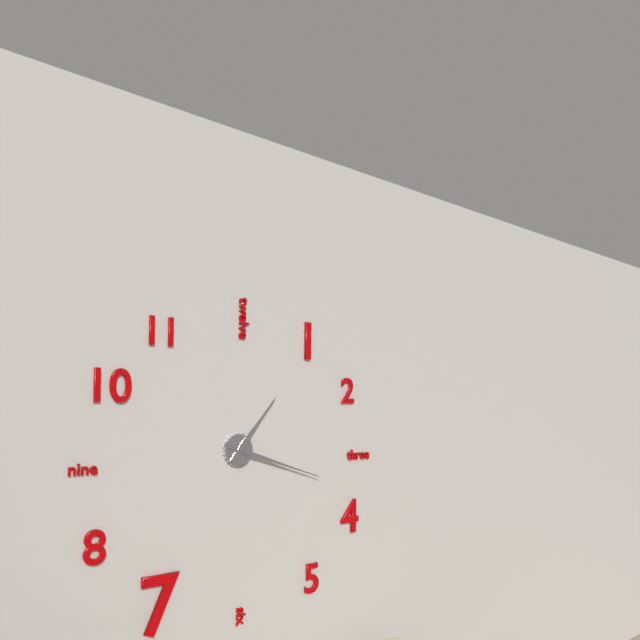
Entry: h=1 m=18
